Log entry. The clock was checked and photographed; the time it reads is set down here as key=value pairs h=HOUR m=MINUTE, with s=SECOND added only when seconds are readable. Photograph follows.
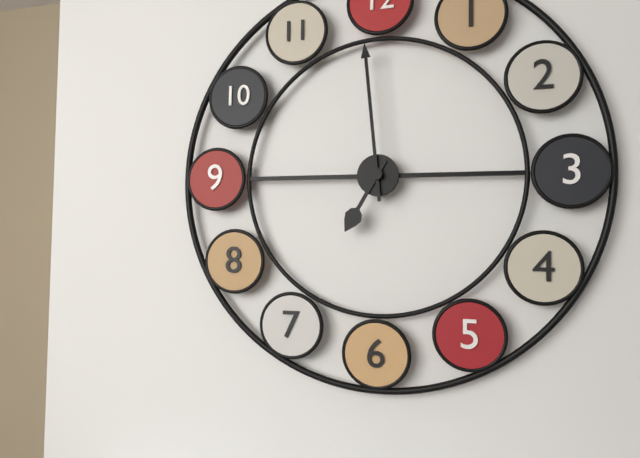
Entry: h=6 m=59
